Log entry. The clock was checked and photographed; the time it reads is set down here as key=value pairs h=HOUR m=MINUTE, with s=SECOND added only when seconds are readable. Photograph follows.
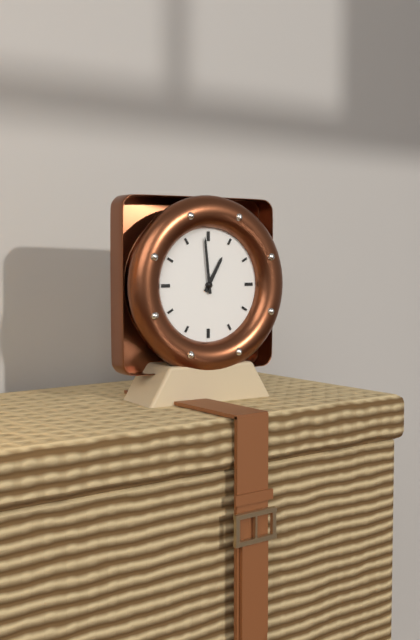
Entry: h=12 m=59
